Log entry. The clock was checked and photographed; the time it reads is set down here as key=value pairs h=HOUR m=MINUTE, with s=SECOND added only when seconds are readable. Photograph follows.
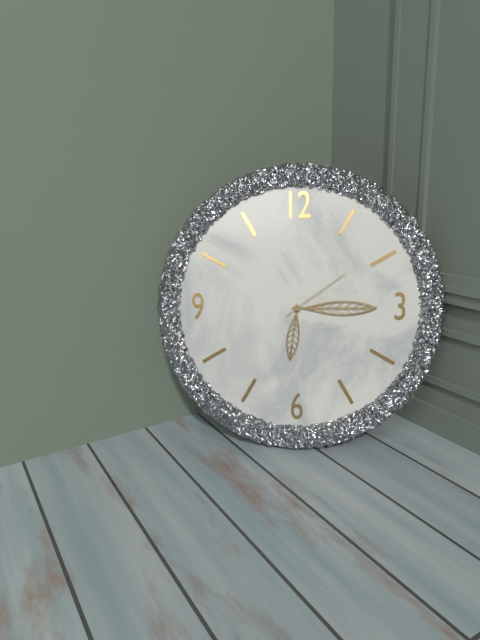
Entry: h=6 m=15 s=9
